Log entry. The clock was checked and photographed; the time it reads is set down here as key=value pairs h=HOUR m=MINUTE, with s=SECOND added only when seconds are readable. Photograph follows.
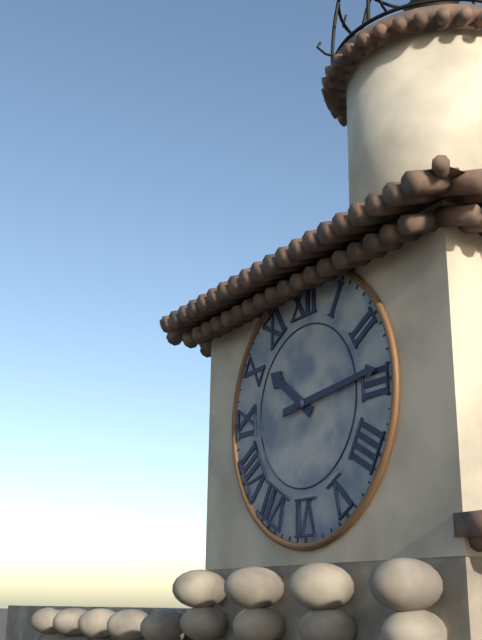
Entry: h=10 m=14
